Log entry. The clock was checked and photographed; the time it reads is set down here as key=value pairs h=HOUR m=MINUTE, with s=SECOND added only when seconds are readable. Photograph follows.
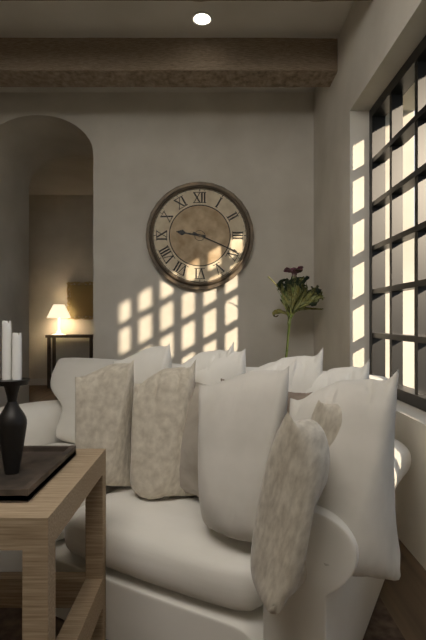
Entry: h=9 m=19
